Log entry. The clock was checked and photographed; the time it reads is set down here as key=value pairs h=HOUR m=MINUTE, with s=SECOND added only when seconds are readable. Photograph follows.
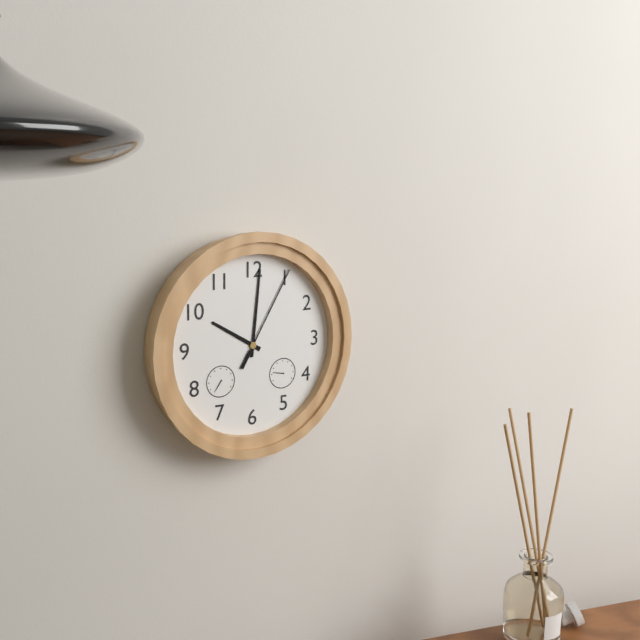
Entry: h=10 m=1 s=5
